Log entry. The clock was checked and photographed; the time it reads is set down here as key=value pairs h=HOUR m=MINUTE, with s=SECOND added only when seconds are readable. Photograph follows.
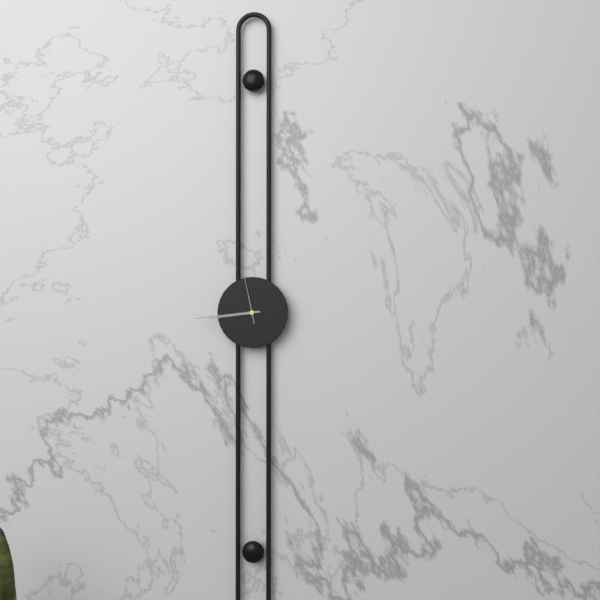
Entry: h=8 m=44
